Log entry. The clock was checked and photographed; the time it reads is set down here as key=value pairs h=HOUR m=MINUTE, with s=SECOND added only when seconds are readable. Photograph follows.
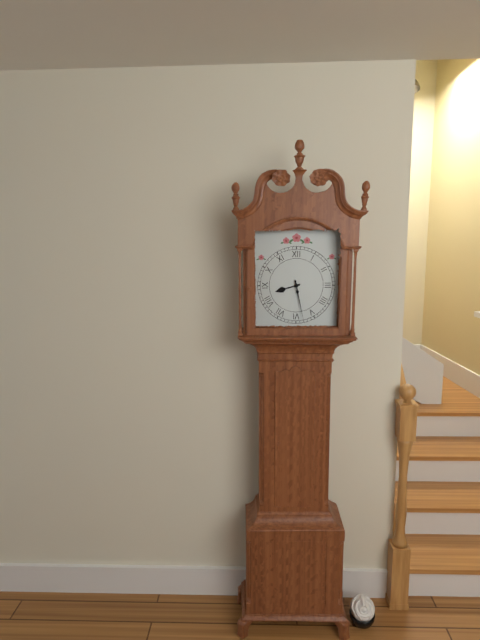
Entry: h=8 m=28
